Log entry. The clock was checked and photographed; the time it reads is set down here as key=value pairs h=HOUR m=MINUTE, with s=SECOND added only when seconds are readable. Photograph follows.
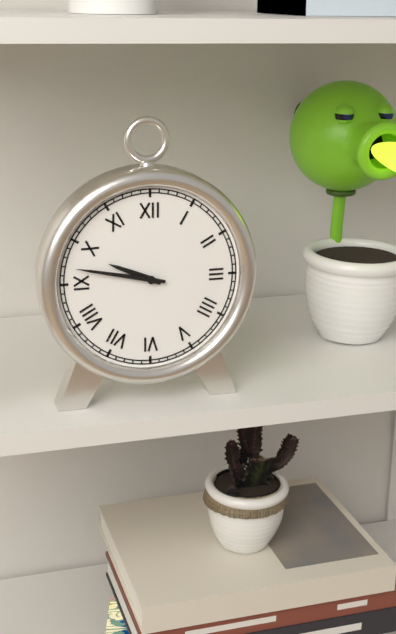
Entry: h=9 m=47
